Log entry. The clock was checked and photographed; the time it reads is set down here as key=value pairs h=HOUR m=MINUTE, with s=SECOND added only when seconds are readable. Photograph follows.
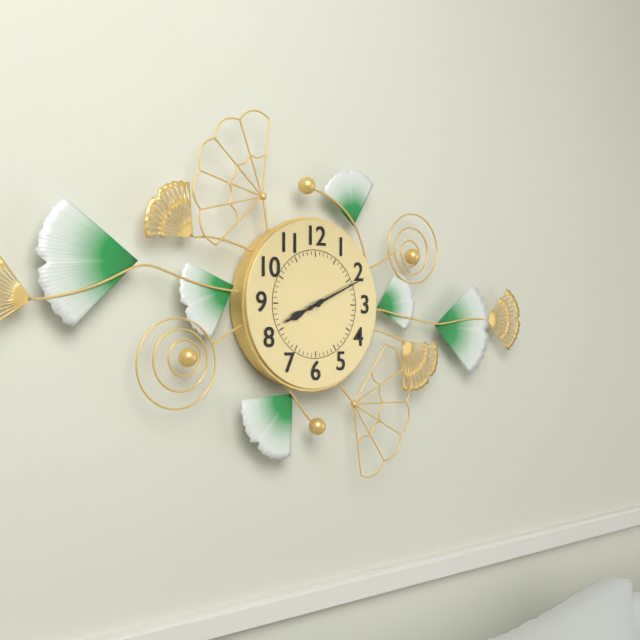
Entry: h=8 m=11
